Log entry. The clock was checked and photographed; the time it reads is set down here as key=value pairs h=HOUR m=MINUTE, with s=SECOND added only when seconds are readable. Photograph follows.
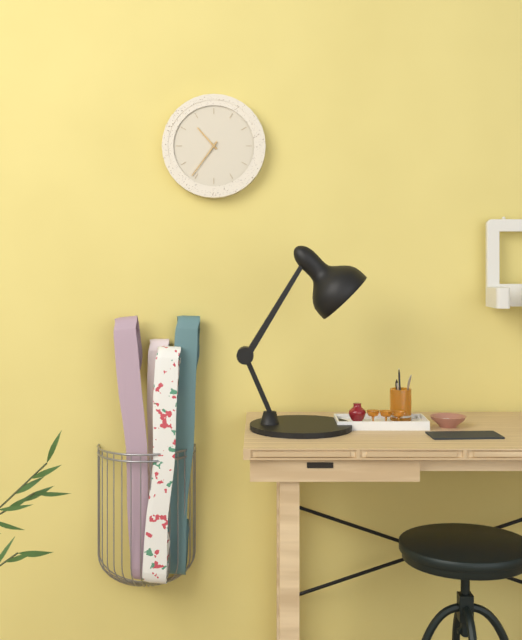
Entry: h=10 m=36
